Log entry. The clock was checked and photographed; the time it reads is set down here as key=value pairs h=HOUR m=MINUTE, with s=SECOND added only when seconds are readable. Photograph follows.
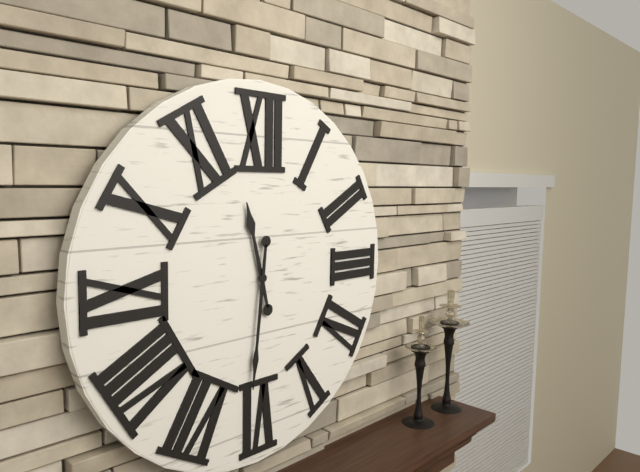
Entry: h=11 m=31
